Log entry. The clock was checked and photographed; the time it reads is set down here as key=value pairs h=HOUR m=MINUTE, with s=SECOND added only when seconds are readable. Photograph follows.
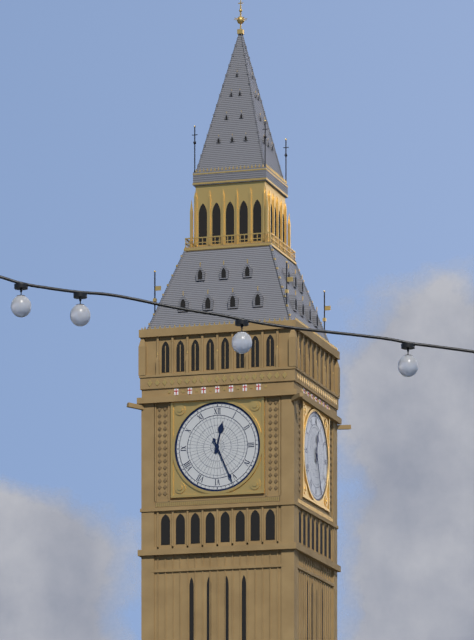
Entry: h=12 m=26
